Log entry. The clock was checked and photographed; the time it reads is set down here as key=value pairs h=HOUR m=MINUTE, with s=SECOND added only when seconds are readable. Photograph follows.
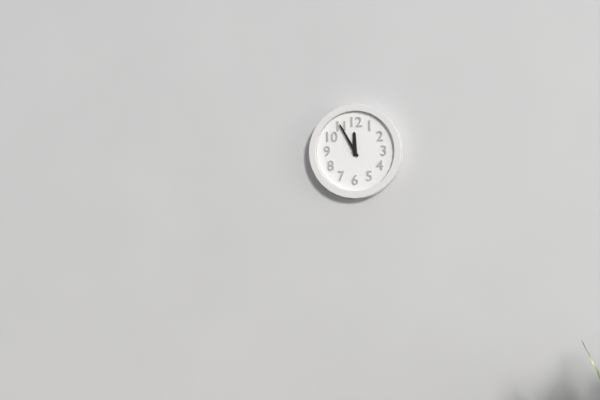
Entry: h=11 m=55
